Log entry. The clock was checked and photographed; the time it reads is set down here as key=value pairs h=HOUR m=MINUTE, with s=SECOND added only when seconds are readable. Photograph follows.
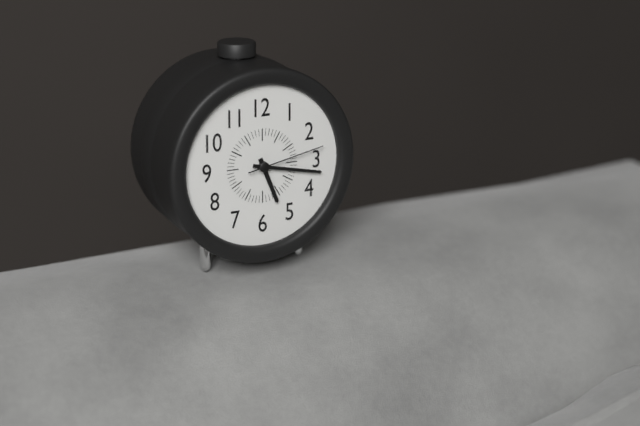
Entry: h=5 m=17 s=13
